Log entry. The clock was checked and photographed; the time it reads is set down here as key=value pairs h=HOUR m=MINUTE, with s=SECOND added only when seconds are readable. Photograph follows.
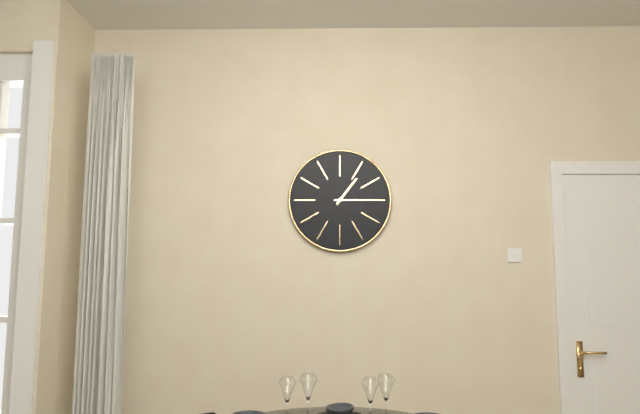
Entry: h=1 m=15
